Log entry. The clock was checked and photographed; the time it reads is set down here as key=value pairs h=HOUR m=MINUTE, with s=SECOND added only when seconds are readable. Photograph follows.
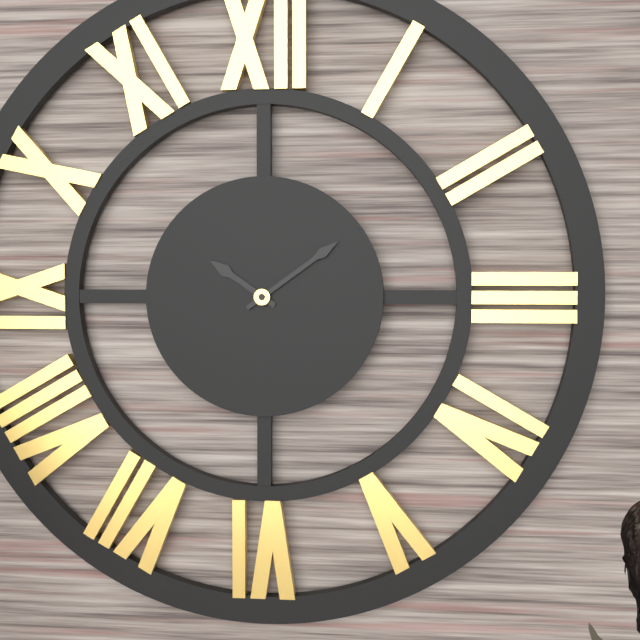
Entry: h=10 m=9
